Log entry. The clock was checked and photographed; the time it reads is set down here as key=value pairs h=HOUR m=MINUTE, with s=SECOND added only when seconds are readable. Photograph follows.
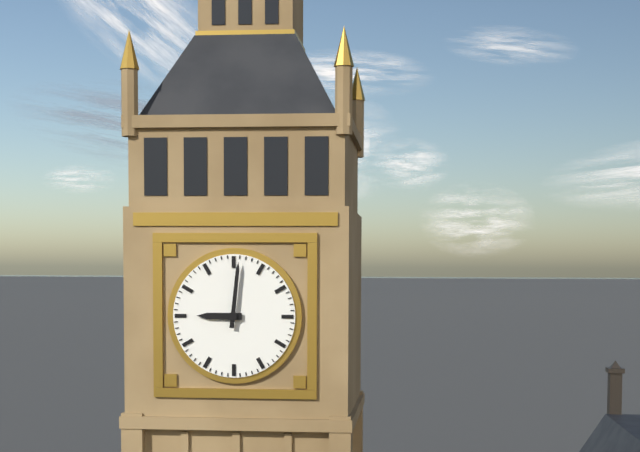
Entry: h=9 m=1
